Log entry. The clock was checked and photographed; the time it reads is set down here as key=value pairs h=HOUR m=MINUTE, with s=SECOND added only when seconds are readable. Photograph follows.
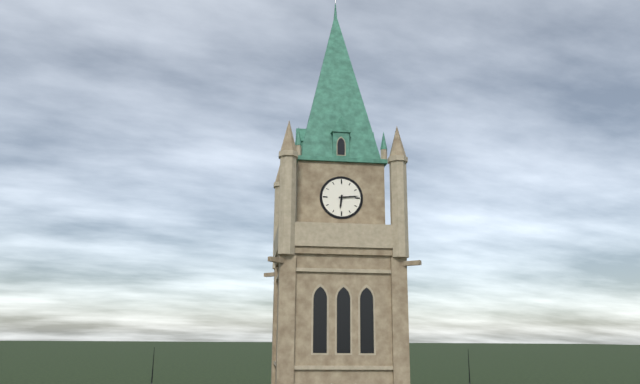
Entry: h=6 m=14
